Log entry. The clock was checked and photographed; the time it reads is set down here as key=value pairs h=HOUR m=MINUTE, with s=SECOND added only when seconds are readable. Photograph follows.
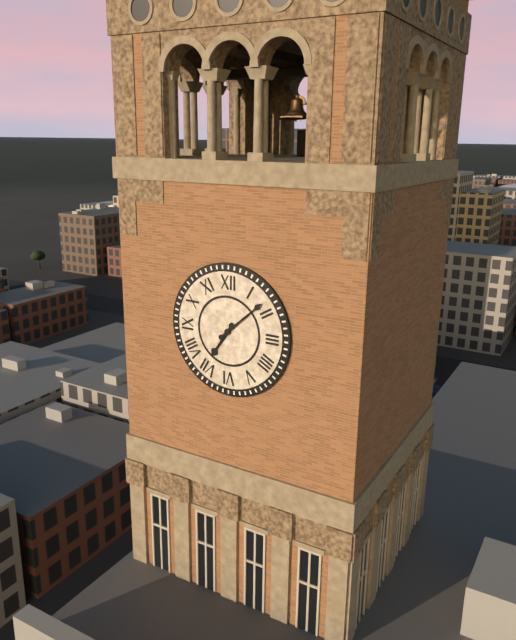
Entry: h=7 m=8
